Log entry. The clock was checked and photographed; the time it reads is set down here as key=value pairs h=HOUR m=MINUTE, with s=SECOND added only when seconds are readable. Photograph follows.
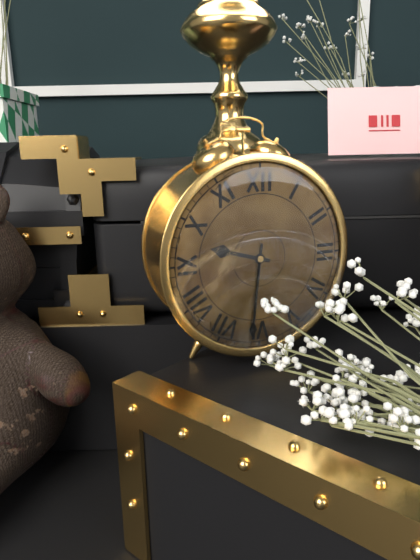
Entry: h=9 m=31
